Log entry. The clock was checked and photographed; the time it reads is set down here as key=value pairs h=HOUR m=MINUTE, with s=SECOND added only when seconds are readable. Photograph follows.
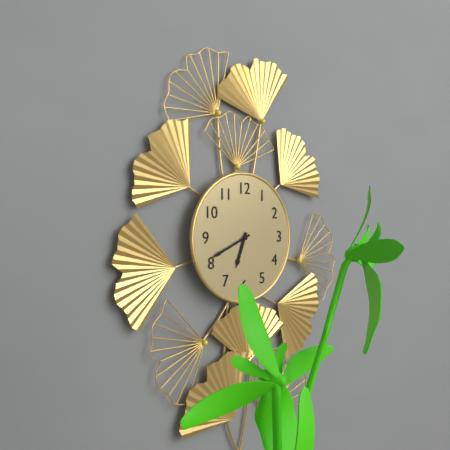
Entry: h=6 m=41
